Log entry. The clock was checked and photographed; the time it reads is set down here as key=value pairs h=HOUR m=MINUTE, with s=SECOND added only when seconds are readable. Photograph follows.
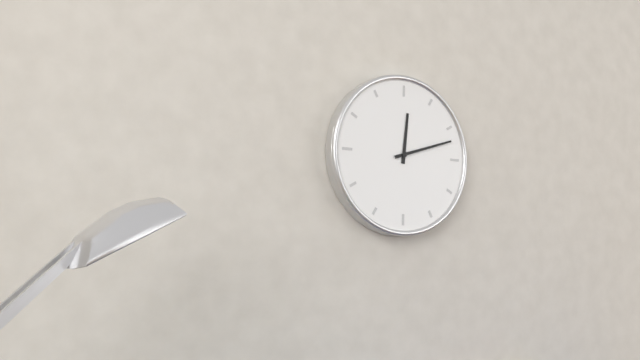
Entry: h=12 m=12
